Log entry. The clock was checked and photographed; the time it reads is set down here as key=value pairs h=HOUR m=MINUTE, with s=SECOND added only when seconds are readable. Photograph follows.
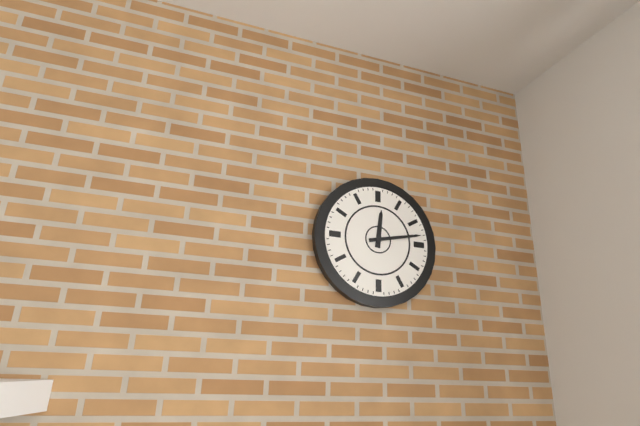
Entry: h=12 m=13
